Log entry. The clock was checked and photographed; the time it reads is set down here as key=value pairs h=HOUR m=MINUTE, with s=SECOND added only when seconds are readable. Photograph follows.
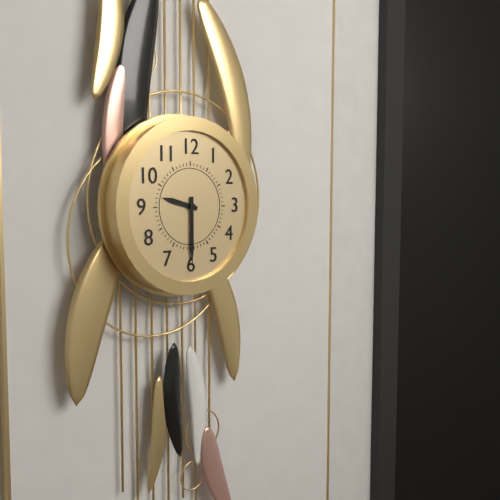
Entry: h=9 m=30
